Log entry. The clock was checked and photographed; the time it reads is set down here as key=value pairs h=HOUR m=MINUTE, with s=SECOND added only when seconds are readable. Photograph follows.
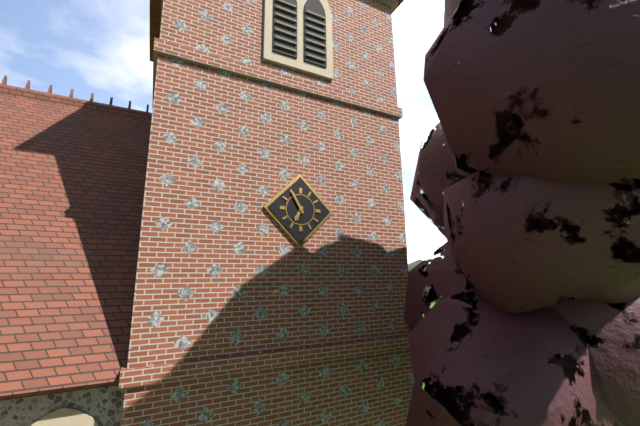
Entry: h=6 m=55
